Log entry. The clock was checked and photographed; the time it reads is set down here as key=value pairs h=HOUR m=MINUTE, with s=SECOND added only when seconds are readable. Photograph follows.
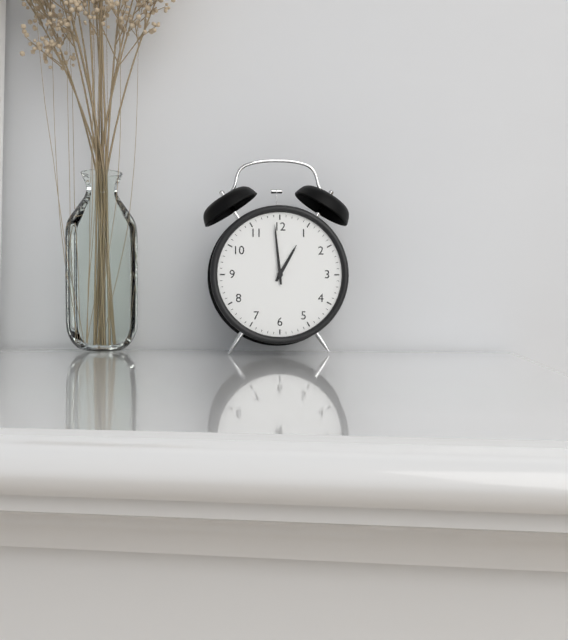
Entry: h=12 m=59
